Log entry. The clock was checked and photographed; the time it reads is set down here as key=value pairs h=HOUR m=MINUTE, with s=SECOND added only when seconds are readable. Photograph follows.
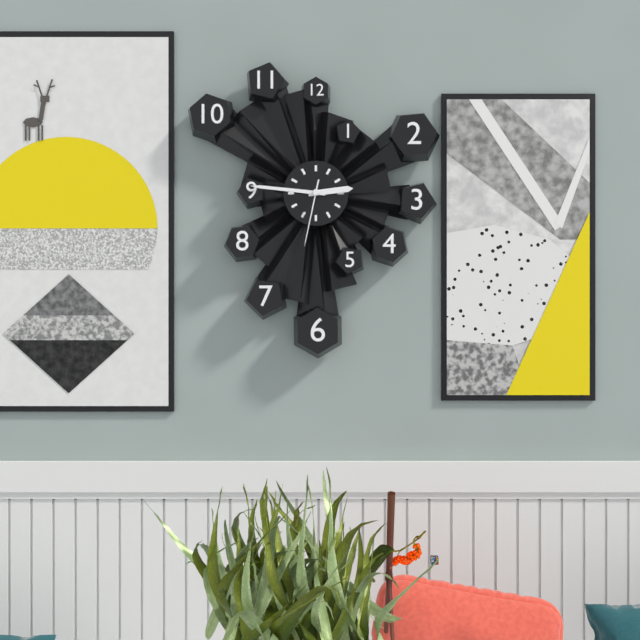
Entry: h=2 m=46 s=32
